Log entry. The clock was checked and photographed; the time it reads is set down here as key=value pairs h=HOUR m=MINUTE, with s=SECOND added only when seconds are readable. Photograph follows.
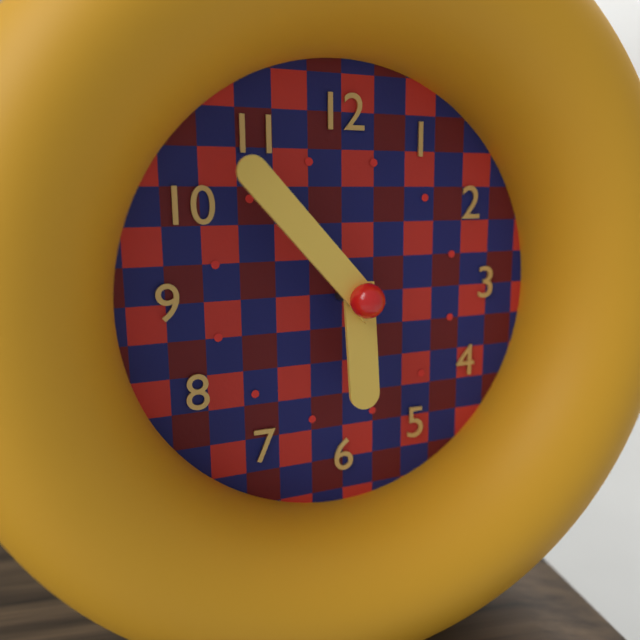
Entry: h=5 m=53
